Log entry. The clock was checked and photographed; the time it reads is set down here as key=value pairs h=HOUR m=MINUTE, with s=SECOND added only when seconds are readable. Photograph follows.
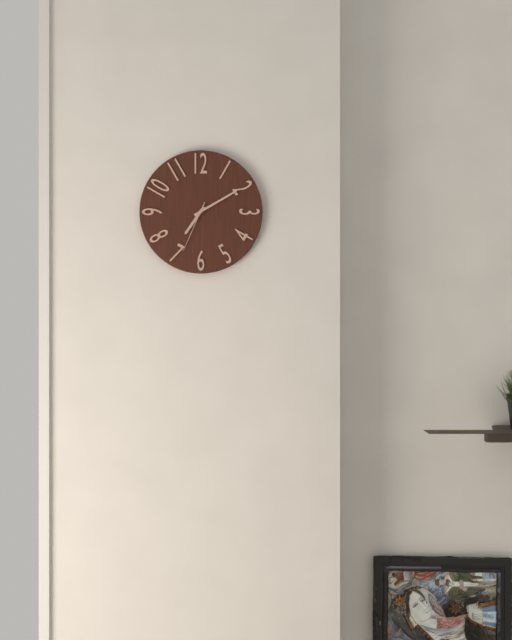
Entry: h=7 m=10 s=34
